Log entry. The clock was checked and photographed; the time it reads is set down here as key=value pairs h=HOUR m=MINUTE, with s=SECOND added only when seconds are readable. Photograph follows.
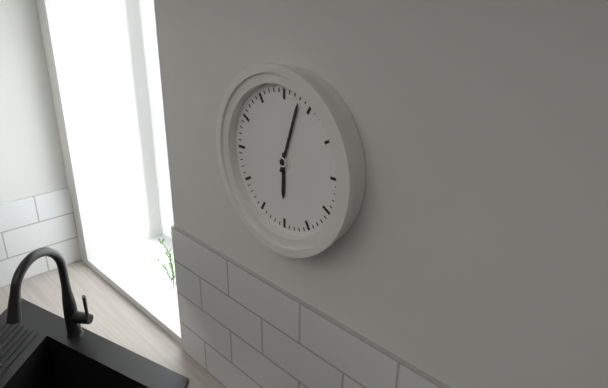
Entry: h=6 m=3
